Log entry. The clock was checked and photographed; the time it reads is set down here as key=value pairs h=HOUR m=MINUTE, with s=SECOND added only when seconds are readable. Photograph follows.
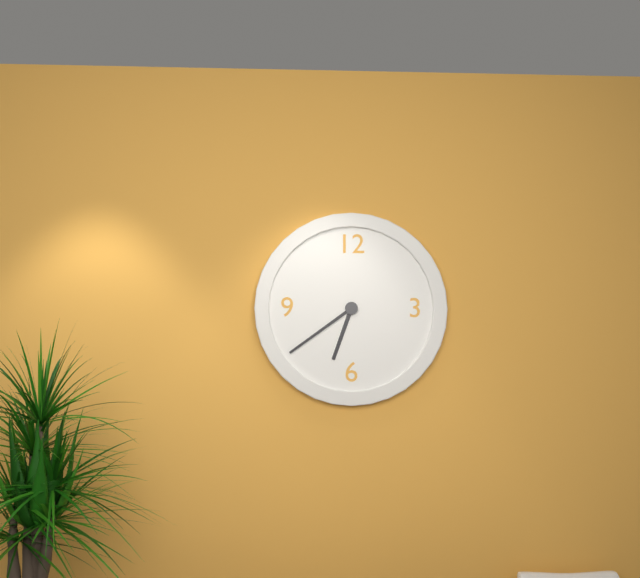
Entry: h=6 m=39
